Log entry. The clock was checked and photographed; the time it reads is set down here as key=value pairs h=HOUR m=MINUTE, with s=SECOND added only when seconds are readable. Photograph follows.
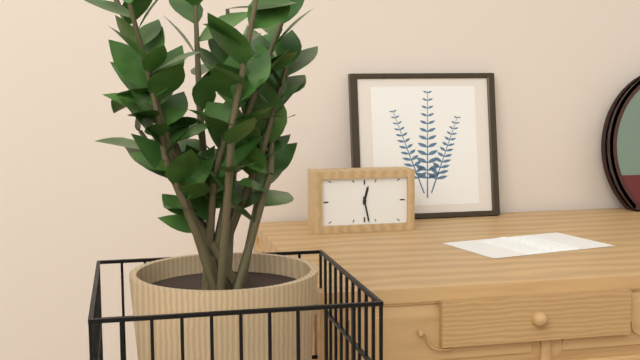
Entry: h=12 m=28
